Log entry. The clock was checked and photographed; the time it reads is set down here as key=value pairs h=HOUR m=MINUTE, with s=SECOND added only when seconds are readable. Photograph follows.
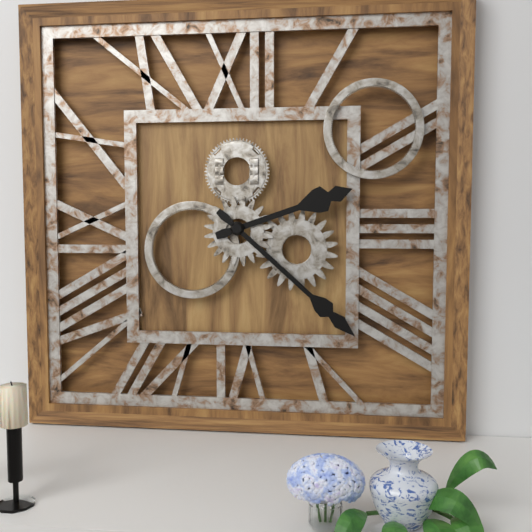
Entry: h=2 m=22
